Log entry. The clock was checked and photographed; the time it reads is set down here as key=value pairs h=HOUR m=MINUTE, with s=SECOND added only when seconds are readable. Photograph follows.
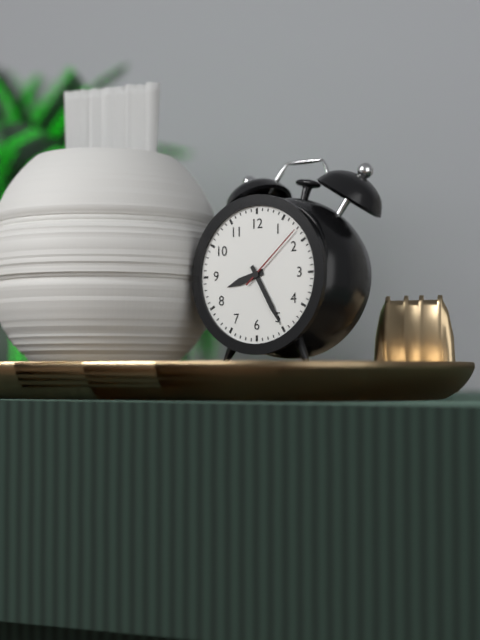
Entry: h=8 m=25 s=8
